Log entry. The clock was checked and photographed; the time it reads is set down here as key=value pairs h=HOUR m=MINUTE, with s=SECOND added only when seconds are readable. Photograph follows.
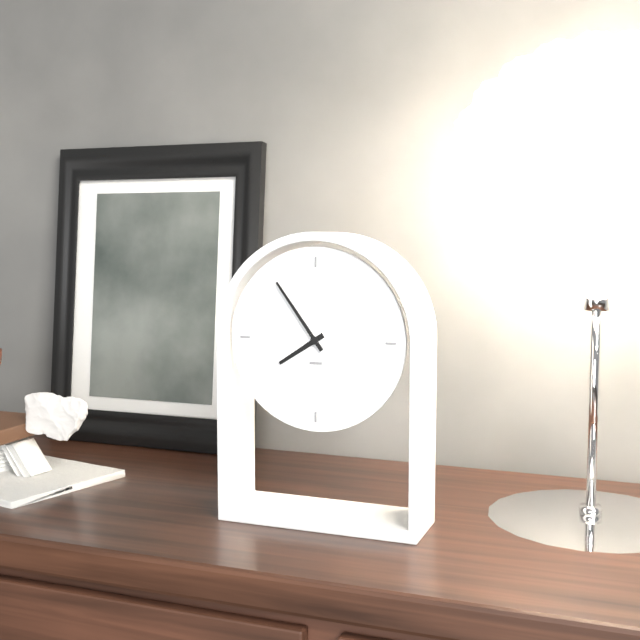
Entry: h=7 m=54
